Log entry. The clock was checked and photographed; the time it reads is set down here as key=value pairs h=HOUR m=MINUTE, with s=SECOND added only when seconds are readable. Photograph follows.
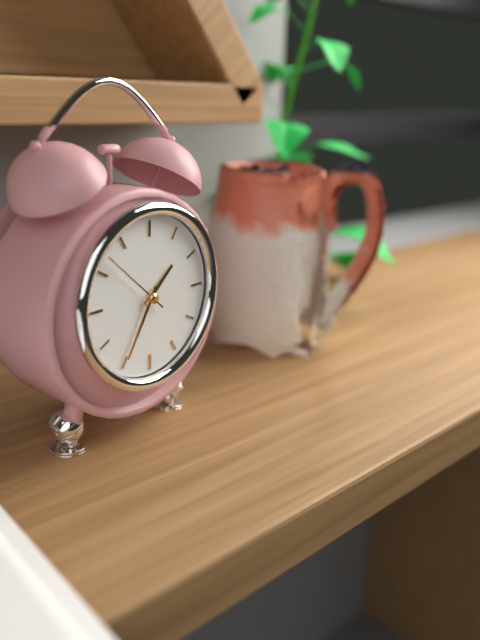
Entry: h=1 m=35 s=52
